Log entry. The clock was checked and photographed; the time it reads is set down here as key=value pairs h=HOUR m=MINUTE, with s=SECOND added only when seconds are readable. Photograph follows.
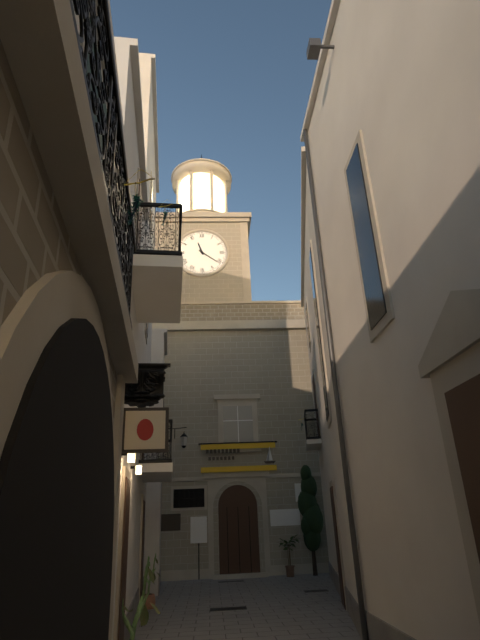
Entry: h=11 m=21
